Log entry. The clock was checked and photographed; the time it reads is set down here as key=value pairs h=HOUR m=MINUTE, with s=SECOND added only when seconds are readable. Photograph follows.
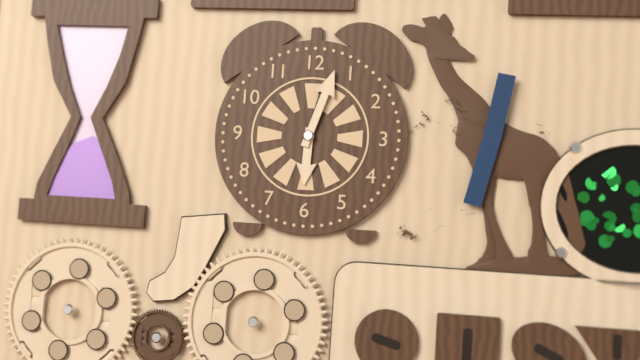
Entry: h=6 m=3
